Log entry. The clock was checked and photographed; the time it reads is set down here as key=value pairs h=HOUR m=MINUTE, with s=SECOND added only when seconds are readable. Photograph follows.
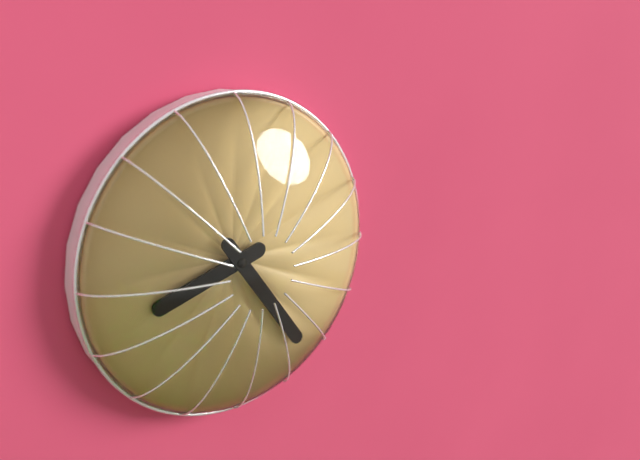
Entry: h=8 m=24
